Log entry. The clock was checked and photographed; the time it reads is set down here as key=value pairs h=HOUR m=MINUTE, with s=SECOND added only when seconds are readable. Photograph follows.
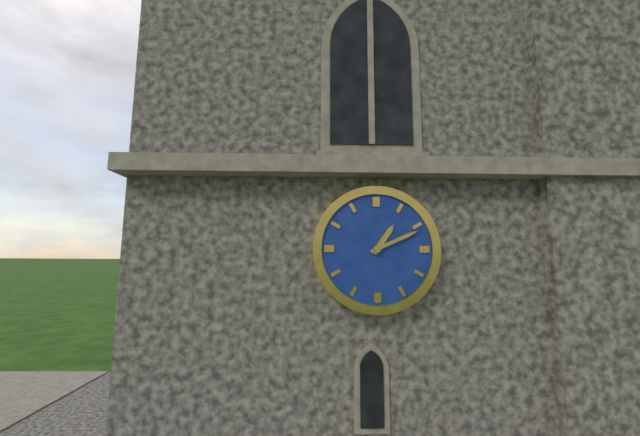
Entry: h=1 m=11
